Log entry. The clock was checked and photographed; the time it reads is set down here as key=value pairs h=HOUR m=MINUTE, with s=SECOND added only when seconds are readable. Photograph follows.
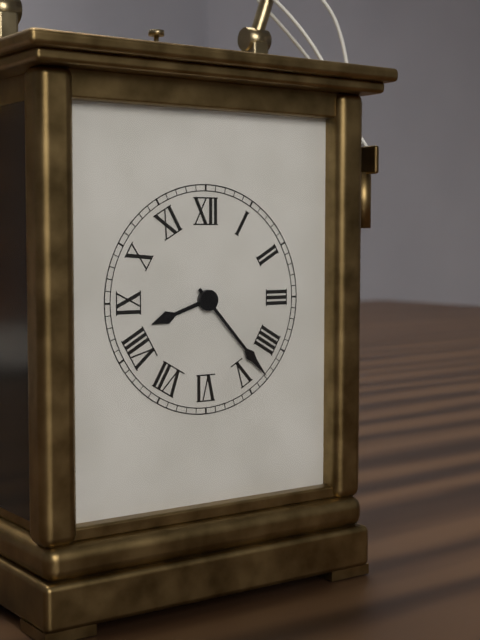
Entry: h=8 m=23
